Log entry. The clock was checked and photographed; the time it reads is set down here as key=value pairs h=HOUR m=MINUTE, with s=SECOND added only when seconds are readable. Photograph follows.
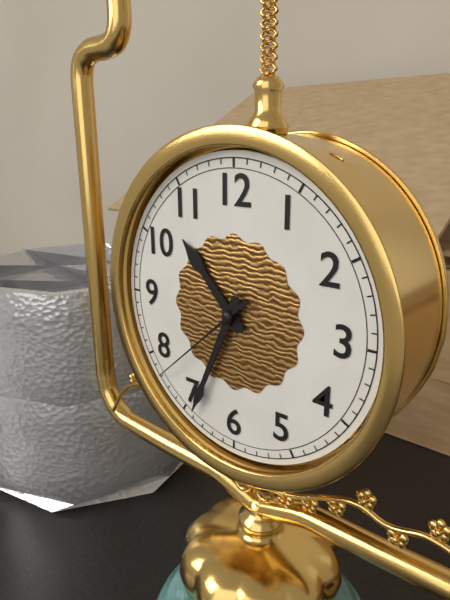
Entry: h=10 m=34 s=38
